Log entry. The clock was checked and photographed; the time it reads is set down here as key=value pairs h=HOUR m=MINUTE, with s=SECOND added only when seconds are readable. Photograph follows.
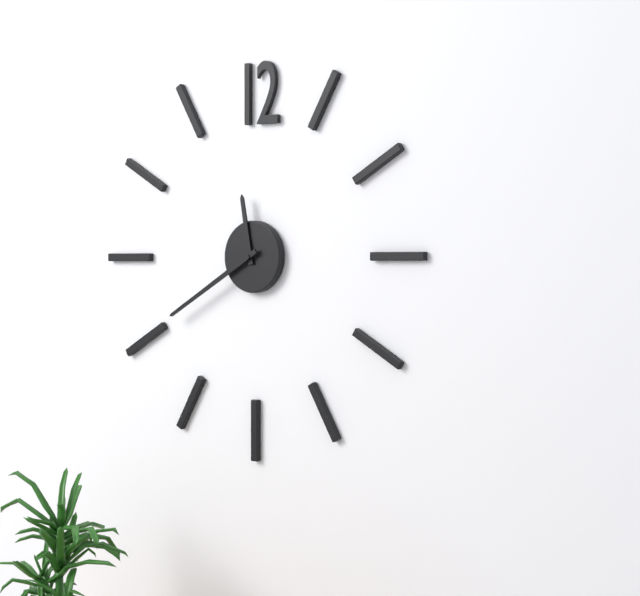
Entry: h=11 m=40
